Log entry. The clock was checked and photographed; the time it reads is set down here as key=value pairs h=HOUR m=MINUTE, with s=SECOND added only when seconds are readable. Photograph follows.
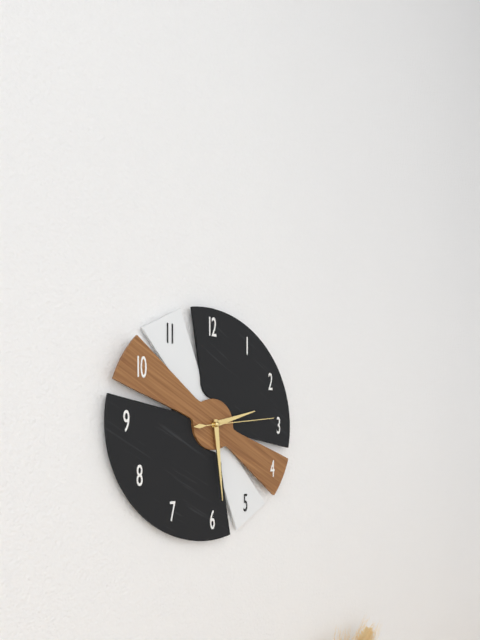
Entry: h=2 m=29 s=14
